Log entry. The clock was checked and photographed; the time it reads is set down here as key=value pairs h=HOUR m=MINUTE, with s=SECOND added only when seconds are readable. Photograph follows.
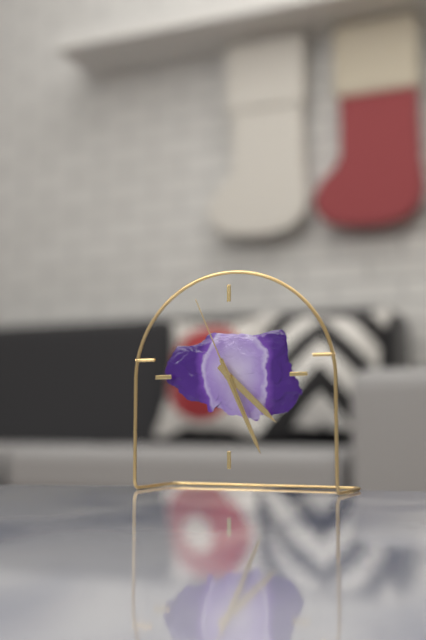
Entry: h=4 m=26 s=56
